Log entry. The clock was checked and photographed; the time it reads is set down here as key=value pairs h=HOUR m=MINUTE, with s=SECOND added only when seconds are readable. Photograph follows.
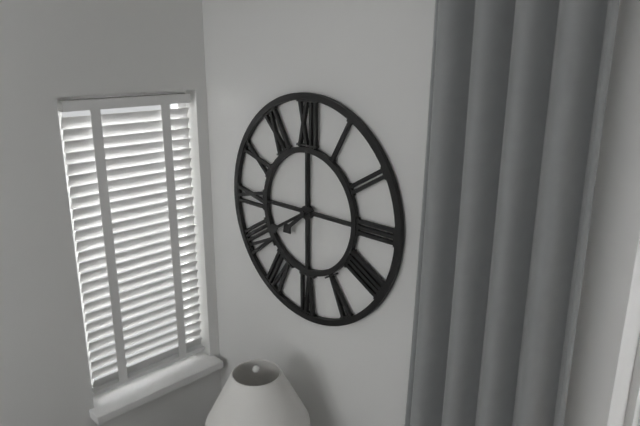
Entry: h=7 m=40
